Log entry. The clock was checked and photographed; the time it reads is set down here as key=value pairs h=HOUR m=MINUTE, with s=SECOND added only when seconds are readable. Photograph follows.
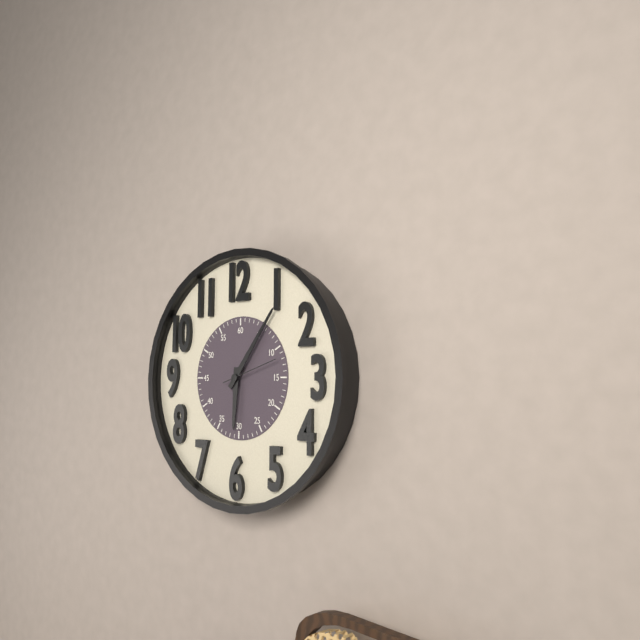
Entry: h=6 m=6
